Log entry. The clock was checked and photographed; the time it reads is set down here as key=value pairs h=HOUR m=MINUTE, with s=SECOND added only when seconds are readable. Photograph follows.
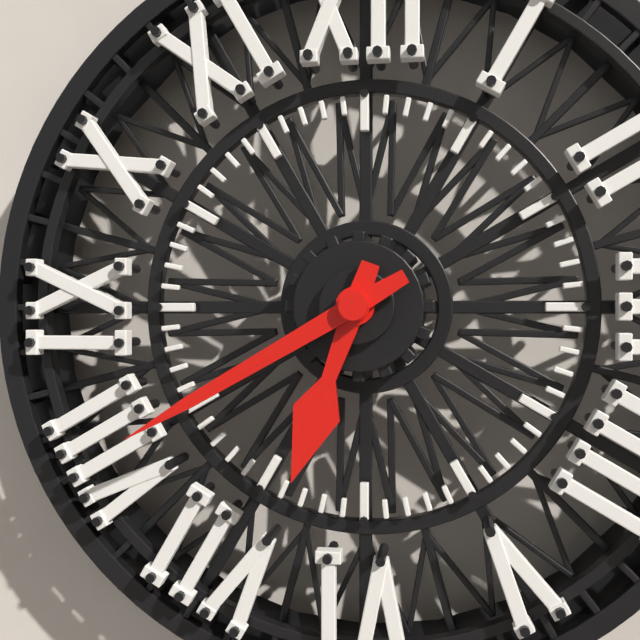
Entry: h=6 m=40
